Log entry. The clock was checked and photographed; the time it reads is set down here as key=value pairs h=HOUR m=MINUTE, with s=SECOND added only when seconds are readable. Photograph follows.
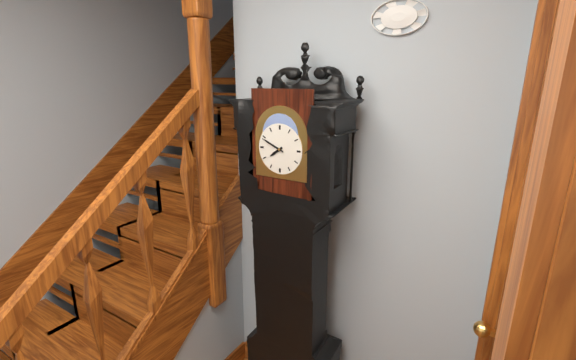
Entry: h=7 m=49
